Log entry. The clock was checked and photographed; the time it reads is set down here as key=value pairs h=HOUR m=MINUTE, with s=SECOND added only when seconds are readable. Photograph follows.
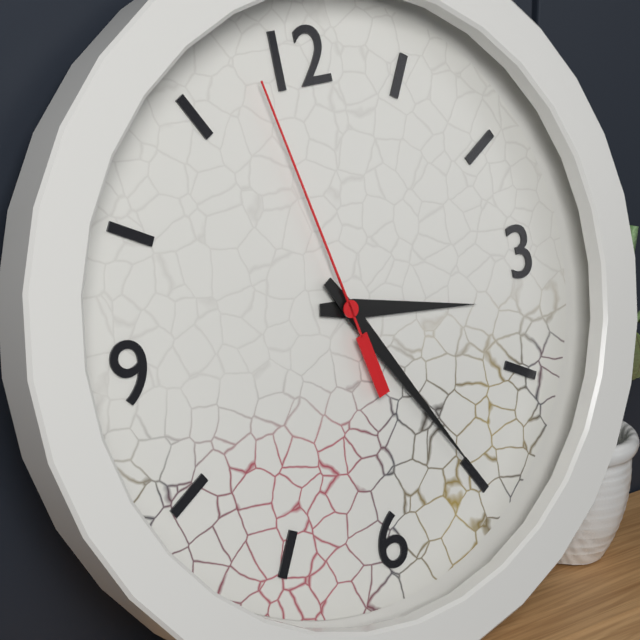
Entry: h=3 m=25 s=58
